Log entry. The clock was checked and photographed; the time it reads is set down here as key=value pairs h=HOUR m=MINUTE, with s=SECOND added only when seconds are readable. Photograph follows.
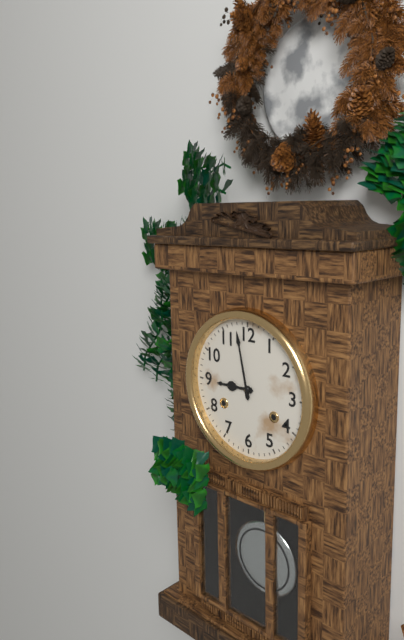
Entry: h=8 m=58
